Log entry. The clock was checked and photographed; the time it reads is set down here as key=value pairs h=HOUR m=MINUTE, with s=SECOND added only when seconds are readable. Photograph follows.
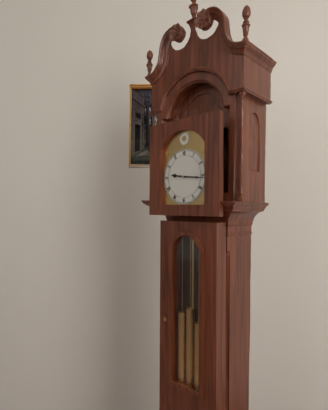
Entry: h=9 m=16
